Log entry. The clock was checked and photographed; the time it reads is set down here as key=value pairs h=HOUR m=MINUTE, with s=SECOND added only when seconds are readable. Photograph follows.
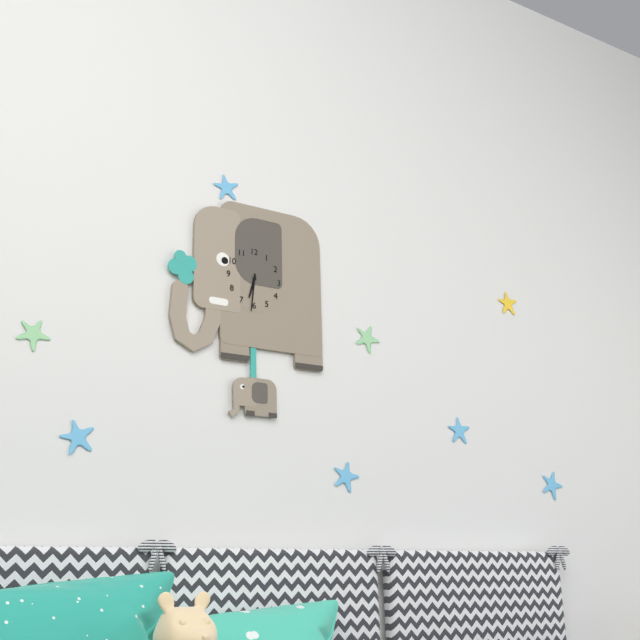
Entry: h=6 m=31
